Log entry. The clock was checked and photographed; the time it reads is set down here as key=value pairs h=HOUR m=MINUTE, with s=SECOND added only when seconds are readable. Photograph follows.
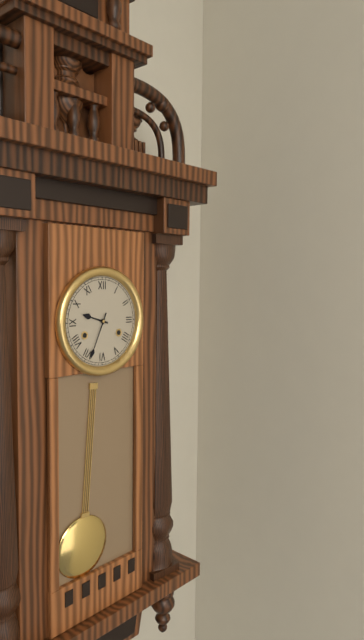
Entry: h=9 m=34
